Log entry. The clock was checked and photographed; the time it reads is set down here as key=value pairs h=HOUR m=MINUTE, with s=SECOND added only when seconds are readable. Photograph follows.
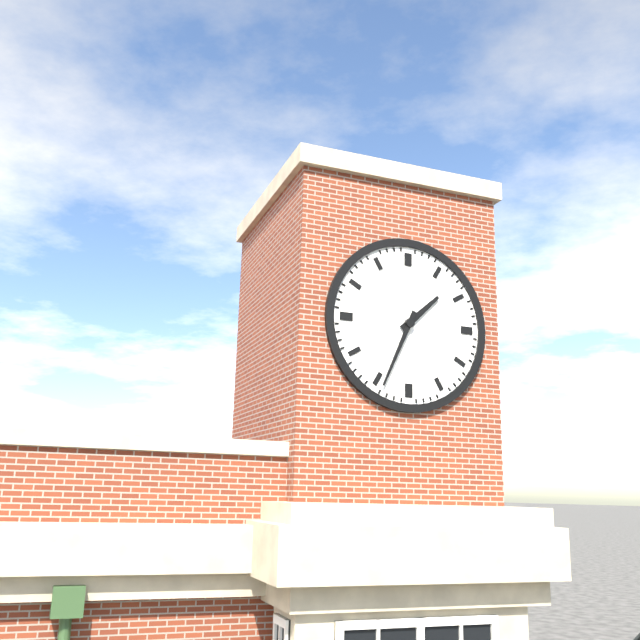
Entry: h=1 m=34
